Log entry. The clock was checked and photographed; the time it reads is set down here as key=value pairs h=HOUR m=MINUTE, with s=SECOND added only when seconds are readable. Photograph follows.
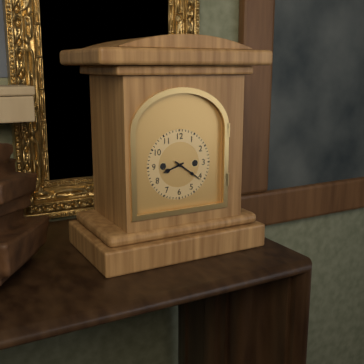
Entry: h=8 m=21
